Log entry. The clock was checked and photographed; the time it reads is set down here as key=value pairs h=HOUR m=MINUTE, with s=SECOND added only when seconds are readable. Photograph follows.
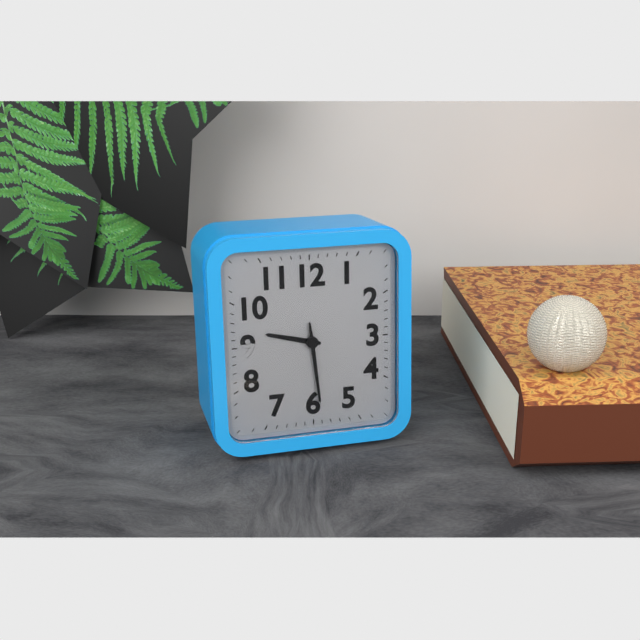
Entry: h=9 m=29
